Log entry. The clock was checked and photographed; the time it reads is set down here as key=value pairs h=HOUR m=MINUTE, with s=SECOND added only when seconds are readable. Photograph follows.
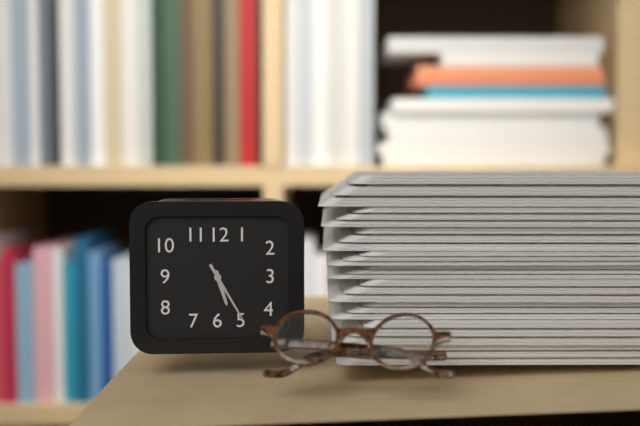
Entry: h=5 m=25
